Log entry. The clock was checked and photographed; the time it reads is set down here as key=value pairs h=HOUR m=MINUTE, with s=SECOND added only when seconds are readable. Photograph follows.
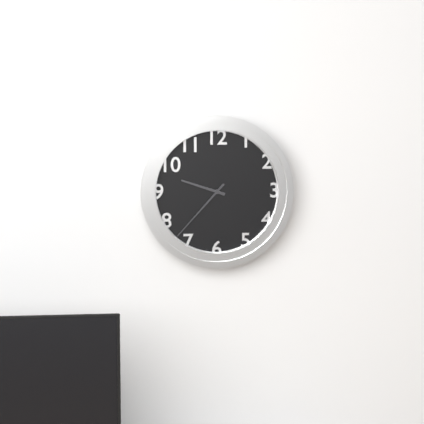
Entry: h=9 m=37
